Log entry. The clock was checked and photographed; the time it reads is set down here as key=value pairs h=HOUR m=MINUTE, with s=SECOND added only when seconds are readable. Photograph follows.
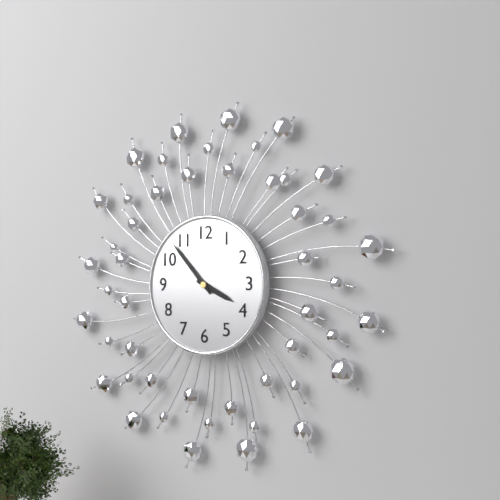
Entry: h=3 m=53
